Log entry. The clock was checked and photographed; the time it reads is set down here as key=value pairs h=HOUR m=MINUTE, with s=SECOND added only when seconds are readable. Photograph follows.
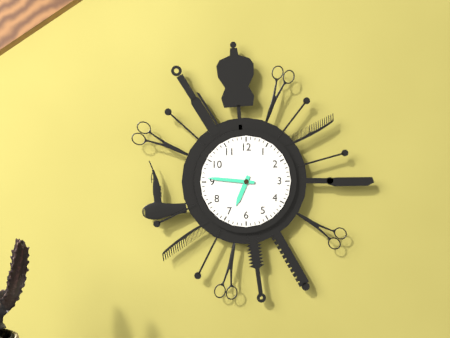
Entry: h=6 m=46
